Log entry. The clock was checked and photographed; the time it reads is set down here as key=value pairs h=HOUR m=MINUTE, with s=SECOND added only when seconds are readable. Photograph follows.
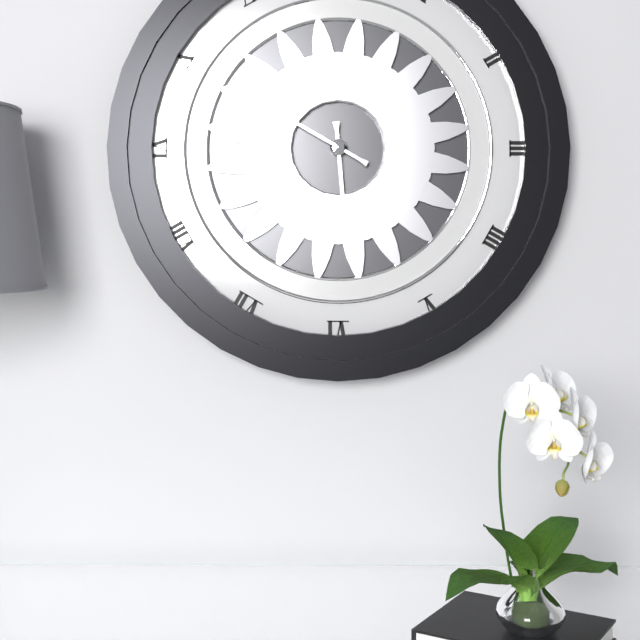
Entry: h=5 m=50
